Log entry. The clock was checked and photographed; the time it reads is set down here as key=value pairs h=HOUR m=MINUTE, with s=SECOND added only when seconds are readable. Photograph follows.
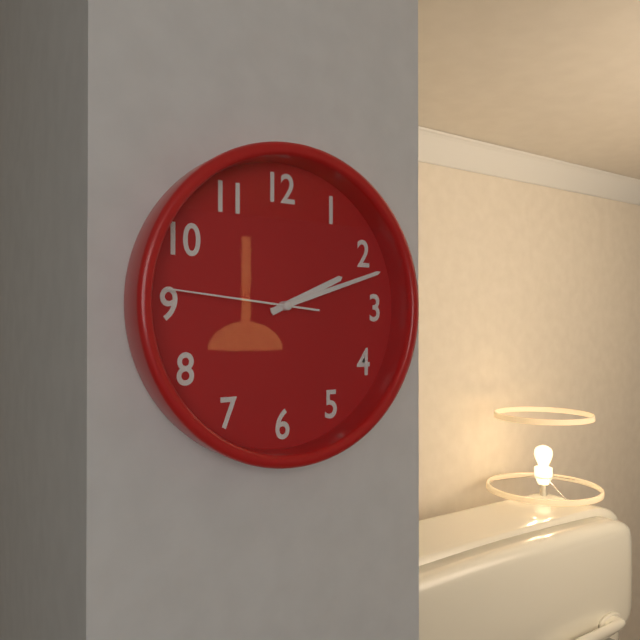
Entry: h=2 m=12 s=46
